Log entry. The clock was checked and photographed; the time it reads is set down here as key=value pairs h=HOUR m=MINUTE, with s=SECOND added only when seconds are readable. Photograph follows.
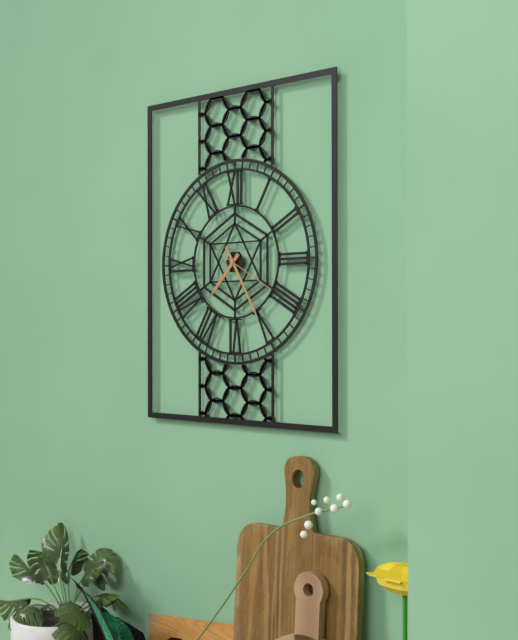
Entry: h=7 m=25 s=20
